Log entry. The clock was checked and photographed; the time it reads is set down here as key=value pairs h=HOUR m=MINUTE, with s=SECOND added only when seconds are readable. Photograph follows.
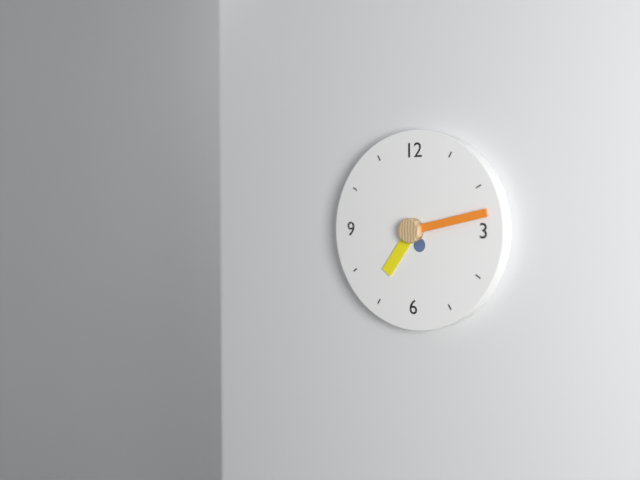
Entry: h=7 m=13
